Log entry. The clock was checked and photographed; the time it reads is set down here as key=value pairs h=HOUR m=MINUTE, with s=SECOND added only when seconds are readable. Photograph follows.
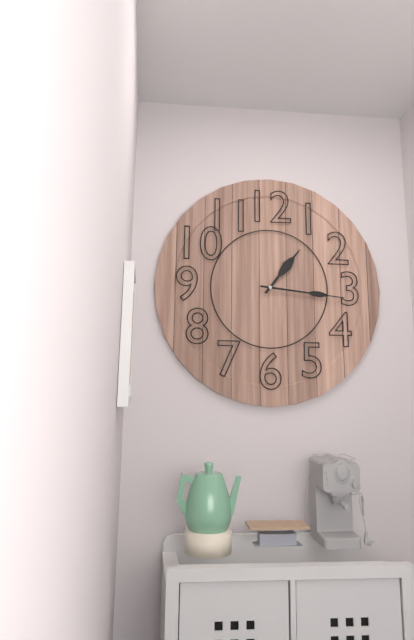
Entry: h=1 m=16
